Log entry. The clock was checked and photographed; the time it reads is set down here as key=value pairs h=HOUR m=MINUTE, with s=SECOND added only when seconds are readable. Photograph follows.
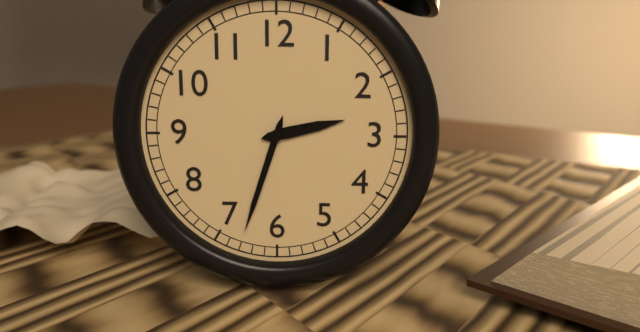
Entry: h=2 m=33
